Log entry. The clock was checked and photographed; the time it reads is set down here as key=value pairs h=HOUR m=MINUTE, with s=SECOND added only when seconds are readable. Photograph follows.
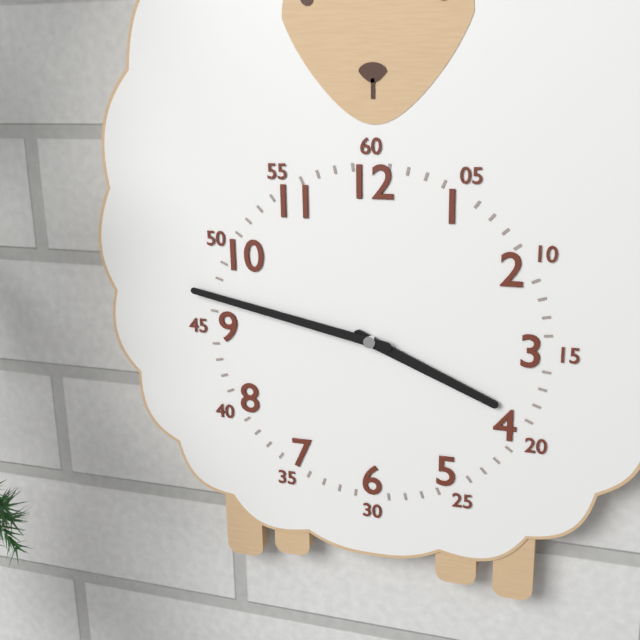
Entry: h=3 m=47
